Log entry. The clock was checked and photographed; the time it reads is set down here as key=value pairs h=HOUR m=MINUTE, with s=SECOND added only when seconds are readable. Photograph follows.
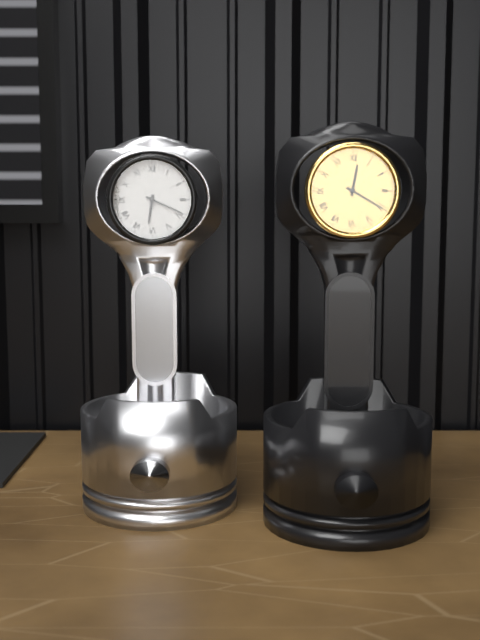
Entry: h=6 m=19
